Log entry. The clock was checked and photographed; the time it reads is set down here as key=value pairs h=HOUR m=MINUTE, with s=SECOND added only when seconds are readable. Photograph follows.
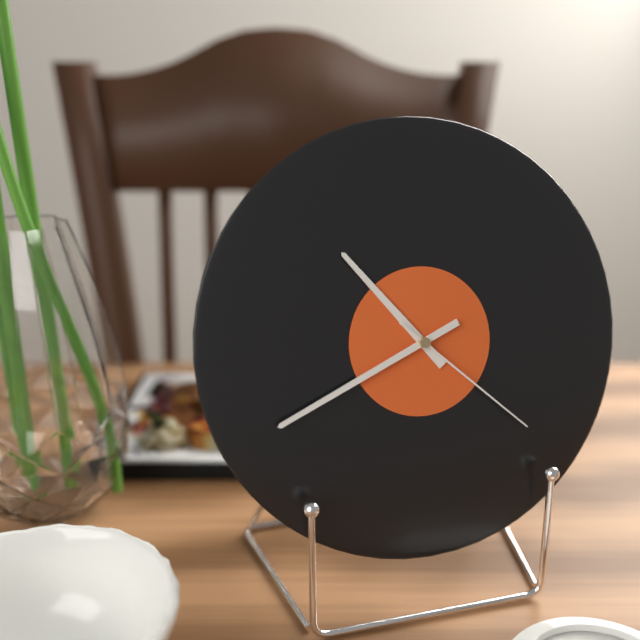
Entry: h=10 m=41 s=22
